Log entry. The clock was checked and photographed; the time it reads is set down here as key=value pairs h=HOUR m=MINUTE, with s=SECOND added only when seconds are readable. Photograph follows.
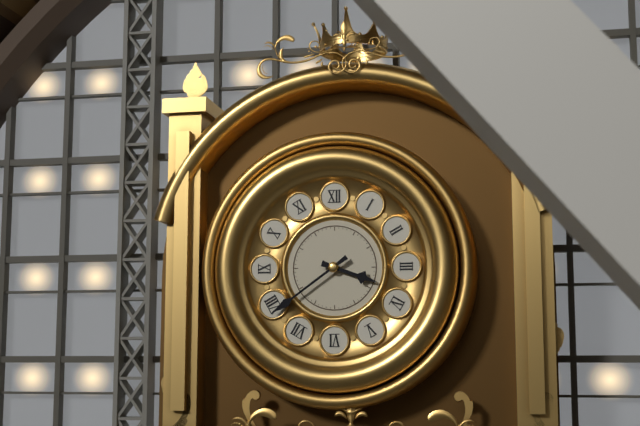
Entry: h=3 m=39
